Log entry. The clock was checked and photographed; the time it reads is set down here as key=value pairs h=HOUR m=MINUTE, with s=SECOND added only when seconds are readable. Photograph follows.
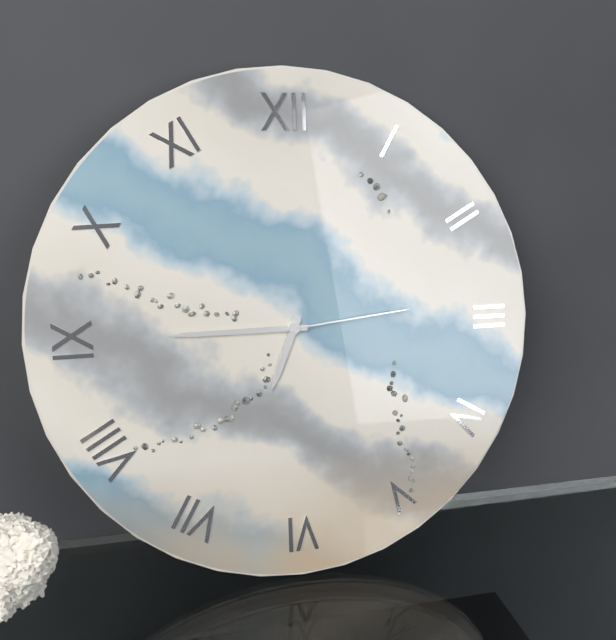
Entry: h=6 m=45 s=14
